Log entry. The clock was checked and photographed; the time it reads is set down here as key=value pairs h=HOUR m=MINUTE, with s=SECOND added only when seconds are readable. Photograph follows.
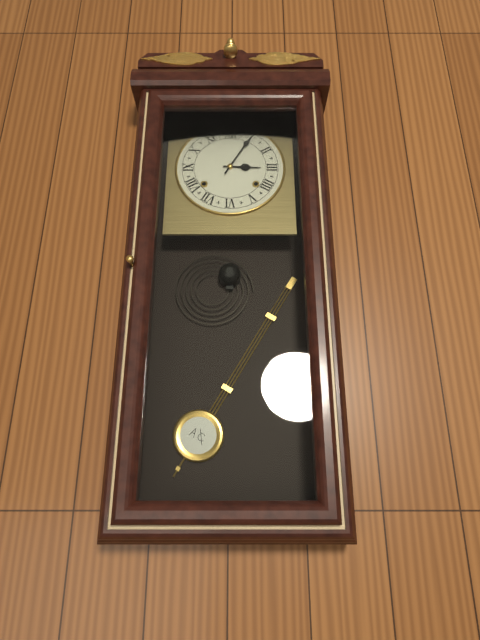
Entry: h=3 m=5
